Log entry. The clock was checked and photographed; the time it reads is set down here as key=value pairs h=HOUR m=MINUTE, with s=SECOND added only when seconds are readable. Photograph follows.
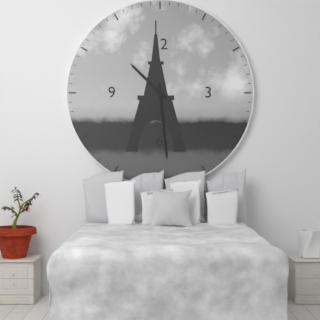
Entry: h=10 m=29
